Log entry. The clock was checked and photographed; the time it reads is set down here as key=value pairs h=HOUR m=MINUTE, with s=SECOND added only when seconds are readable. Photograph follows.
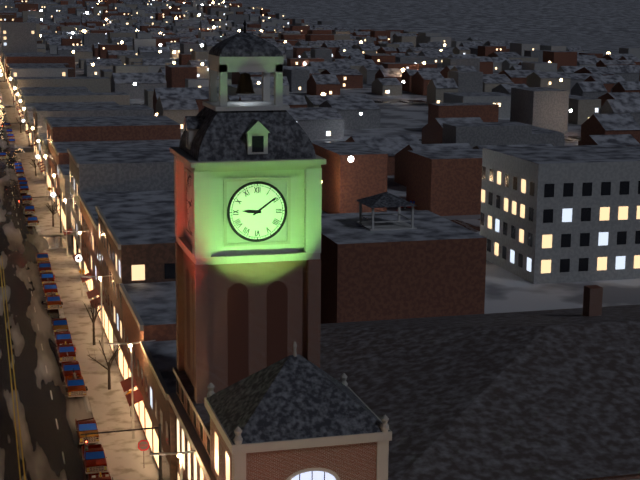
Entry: h=9 m=9
